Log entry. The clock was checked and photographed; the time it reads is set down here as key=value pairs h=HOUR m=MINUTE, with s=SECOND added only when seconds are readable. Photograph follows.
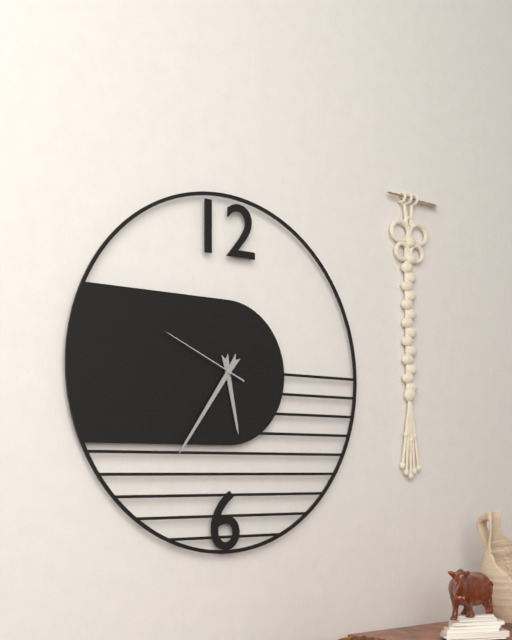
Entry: h=5 m=36 s=49
